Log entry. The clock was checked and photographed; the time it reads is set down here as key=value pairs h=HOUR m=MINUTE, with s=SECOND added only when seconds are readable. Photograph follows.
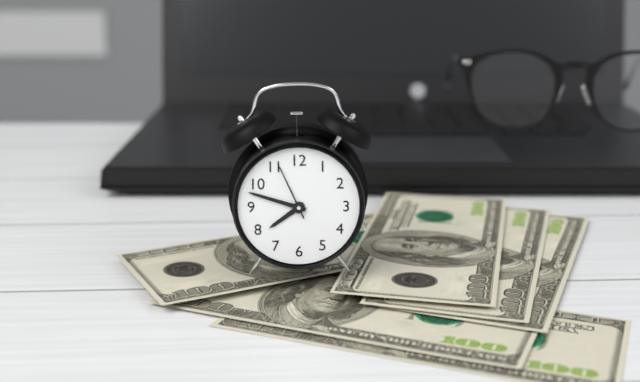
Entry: h=7 m=48 s=56
